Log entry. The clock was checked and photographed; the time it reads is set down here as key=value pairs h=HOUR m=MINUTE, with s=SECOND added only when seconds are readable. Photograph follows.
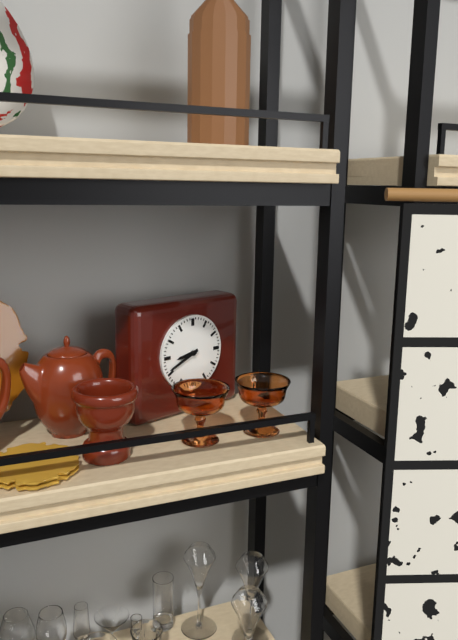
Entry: h=8 m=41
